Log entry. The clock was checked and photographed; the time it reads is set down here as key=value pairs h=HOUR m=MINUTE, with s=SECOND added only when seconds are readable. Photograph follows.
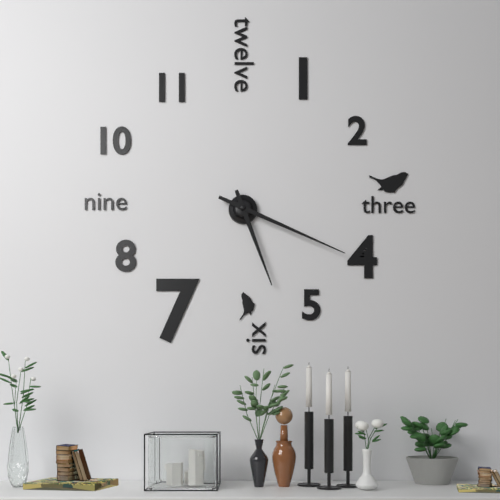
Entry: h=5 m=19
